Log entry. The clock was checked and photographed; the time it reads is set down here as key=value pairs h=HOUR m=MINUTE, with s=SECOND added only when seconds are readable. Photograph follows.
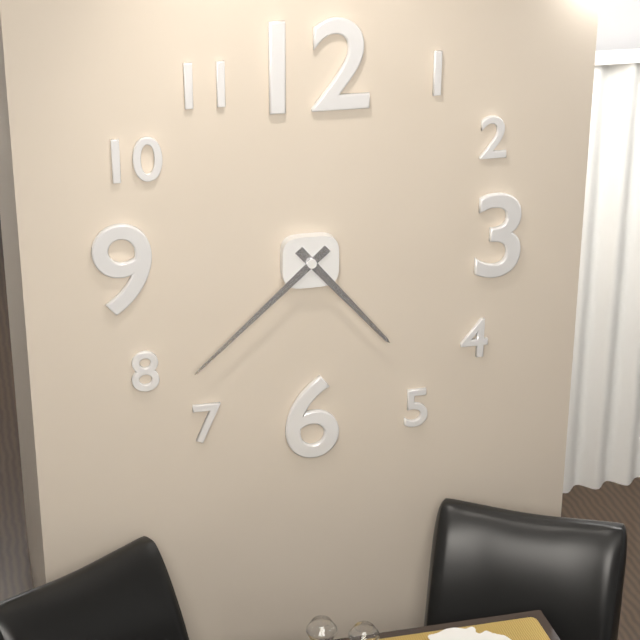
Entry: h=4 m=38
